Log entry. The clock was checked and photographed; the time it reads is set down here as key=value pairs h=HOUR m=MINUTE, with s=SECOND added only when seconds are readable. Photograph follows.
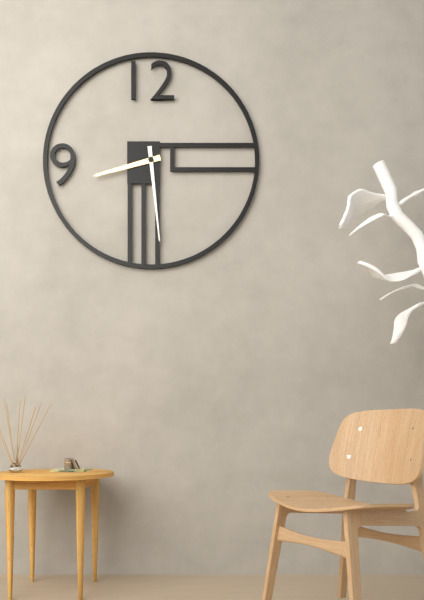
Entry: h=8 m=29
